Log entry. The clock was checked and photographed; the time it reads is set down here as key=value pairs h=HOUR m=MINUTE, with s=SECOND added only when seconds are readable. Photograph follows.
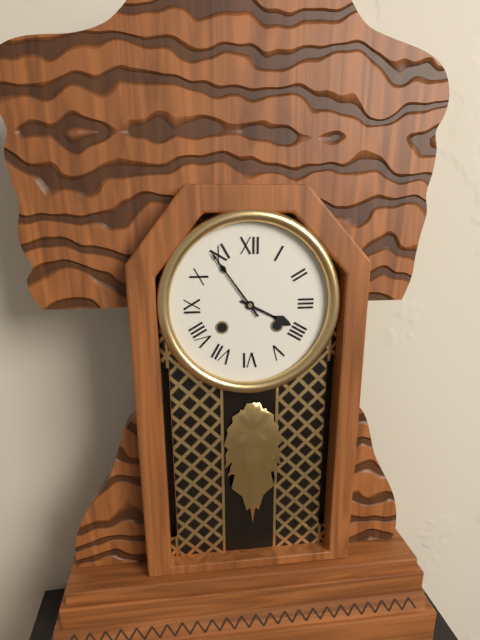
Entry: h=3 m=54
